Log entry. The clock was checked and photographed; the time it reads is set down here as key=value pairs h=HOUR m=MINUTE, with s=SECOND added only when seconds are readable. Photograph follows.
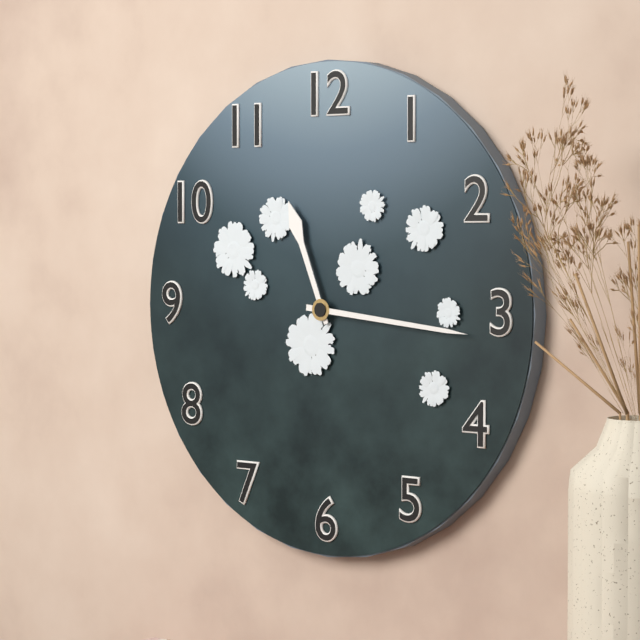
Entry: h=11 m=16
